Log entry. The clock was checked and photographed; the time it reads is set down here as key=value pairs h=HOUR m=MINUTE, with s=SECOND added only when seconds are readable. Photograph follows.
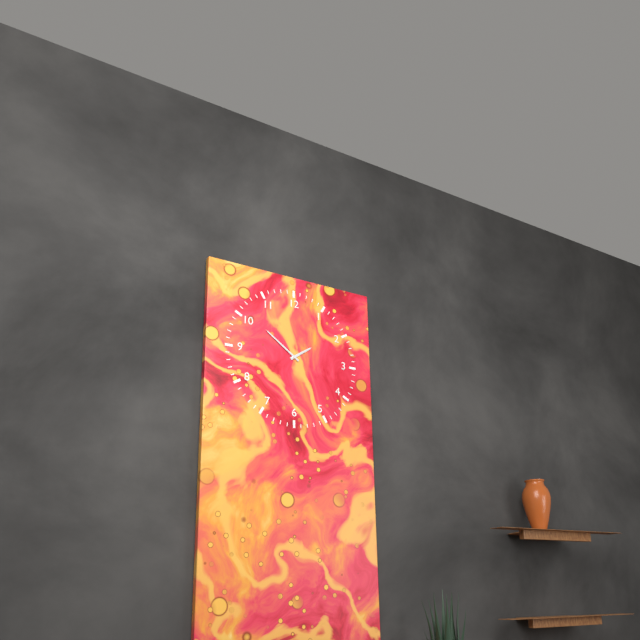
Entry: h=1 m=51
